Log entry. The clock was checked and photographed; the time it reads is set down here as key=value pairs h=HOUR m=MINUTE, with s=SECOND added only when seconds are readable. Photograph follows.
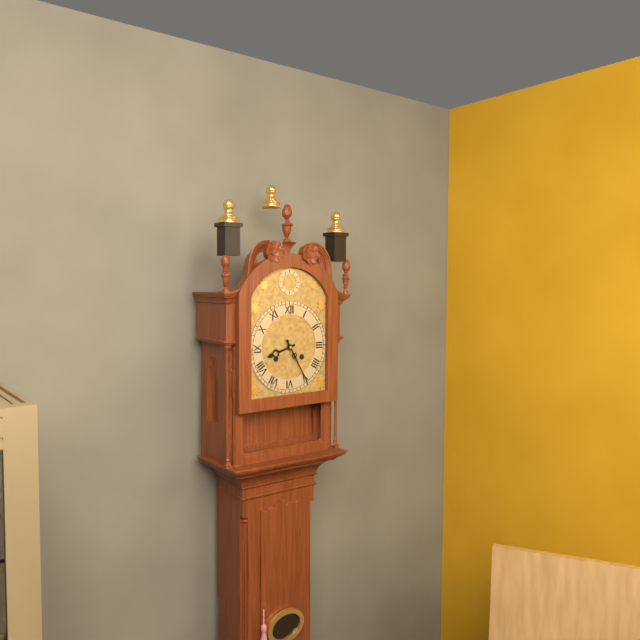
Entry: h=8 m=25
